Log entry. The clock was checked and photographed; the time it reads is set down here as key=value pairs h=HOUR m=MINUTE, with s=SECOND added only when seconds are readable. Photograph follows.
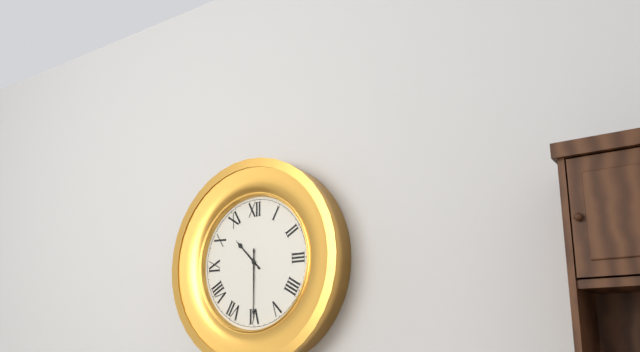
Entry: h=10 m=30
